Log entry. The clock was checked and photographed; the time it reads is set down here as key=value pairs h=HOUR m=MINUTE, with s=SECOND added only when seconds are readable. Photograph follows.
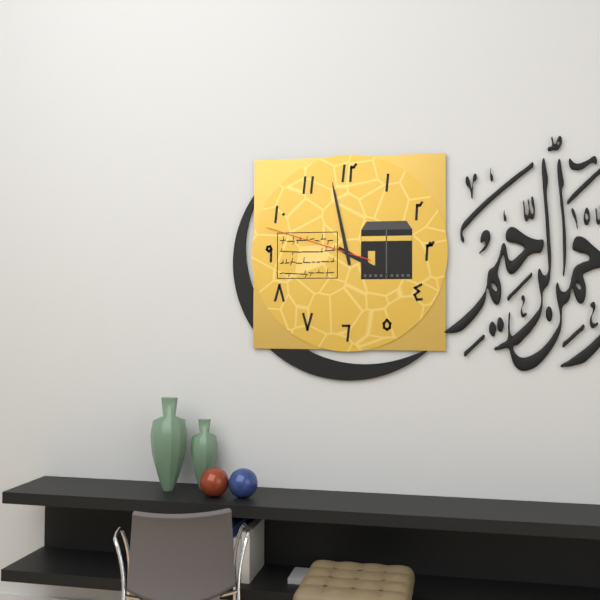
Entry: h=3 m=58 s=48
